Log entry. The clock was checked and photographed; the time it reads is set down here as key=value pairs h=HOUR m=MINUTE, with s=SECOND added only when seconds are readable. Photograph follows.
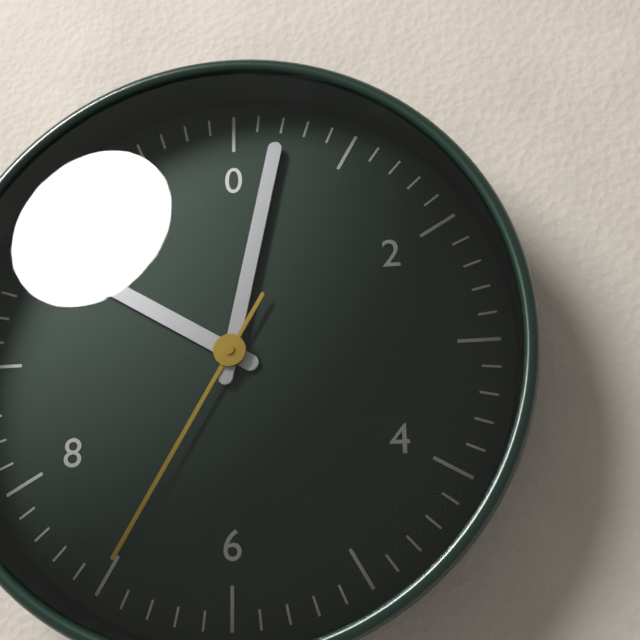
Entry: h=10 m=2 s=35
